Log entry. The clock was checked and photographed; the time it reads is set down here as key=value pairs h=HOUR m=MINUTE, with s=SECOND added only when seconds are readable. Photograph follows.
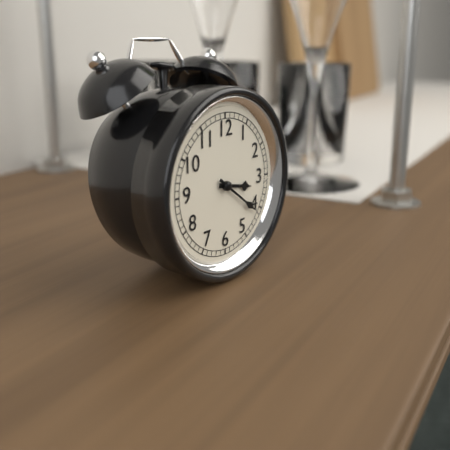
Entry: h=3 m=21
